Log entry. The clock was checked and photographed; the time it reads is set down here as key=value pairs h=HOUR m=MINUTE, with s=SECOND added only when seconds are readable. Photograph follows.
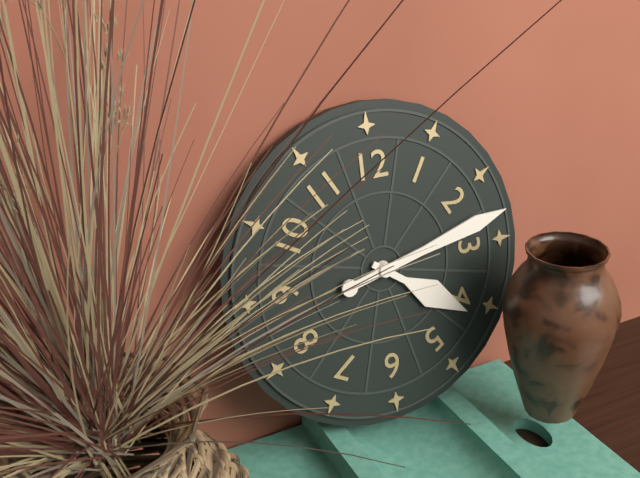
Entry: h=4 m=13
